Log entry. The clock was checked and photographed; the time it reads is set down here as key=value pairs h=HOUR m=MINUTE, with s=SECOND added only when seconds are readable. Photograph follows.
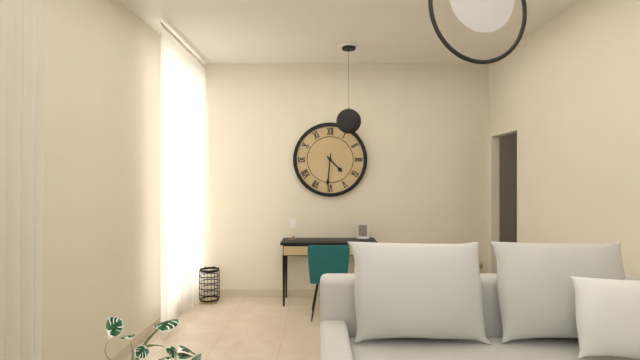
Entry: h=4 m=31
